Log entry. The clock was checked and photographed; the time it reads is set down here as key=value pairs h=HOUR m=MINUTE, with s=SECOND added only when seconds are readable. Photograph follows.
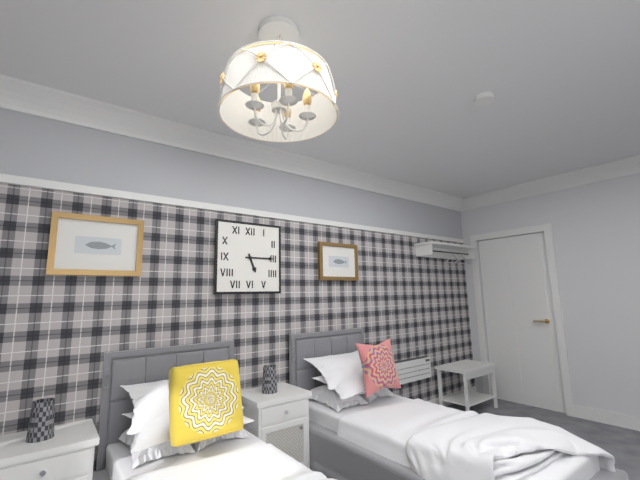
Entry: h=5 m=15
